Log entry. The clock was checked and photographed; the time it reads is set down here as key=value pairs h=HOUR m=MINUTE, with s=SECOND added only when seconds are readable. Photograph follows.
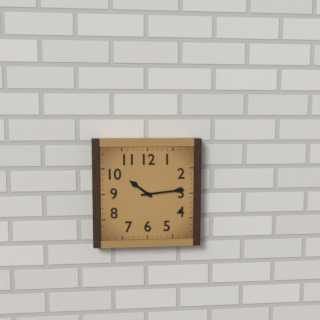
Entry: h=10 m=14
